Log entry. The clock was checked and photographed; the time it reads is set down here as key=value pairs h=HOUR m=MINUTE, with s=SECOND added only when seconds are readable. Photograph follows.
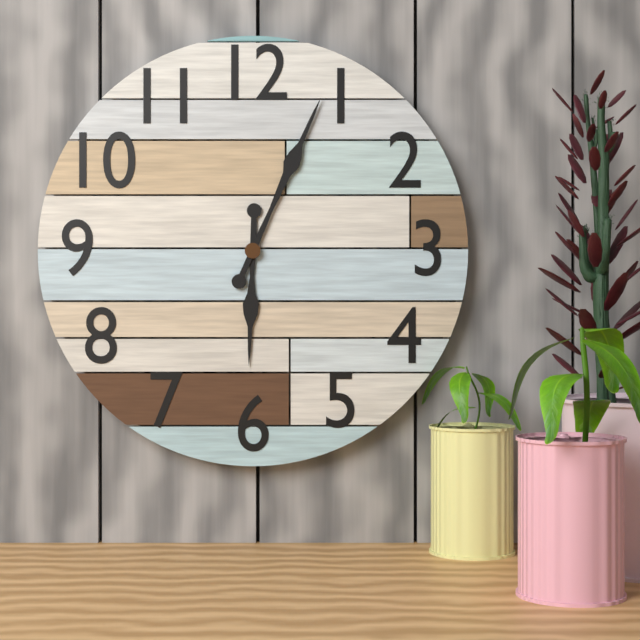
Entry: h=6 m=4
